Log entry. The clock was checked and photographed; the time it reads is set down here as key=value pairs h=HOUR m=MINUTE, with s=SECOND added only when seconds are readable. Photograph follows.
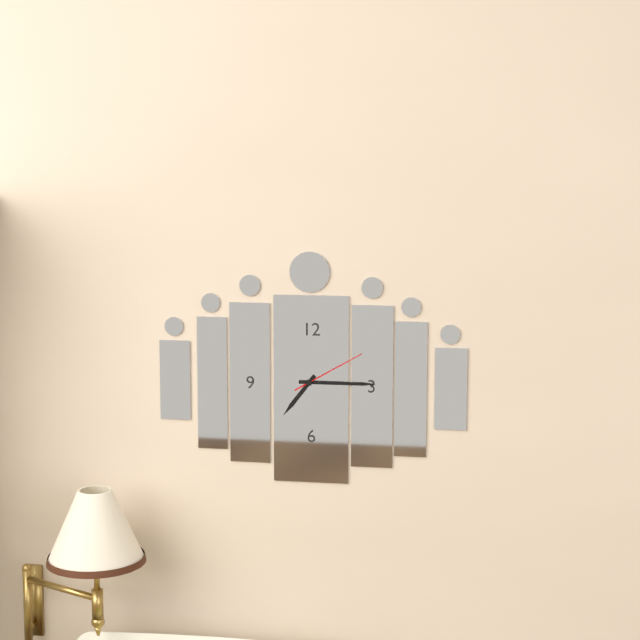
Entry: h=7 m=15 s=10
